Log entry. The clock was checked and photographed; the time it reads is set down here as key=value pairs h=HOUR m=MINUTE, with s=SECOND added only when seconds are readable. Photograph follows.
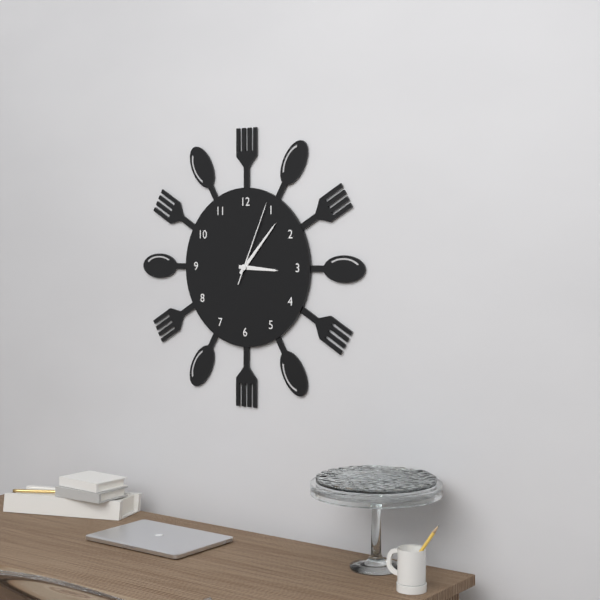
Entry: h=3 m=7 s=4
